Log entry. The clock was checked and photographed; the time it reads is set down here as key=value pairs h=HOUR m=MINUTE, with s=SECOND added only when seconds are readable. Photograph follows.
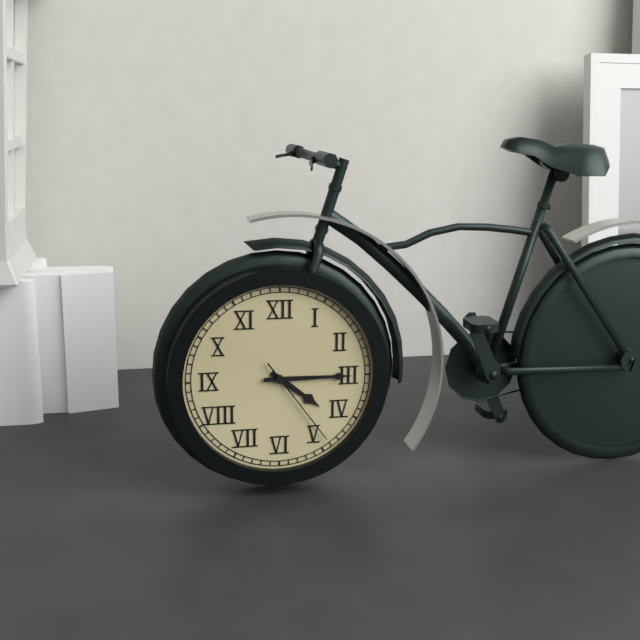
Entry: h=4 m=15 s=24
